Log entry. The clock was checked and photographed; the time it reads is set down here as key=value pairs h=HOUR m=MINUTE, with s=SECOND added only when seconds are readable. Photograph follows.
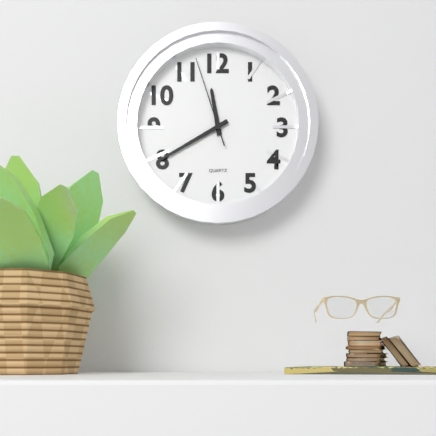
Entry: h=11 m=40 s=57
